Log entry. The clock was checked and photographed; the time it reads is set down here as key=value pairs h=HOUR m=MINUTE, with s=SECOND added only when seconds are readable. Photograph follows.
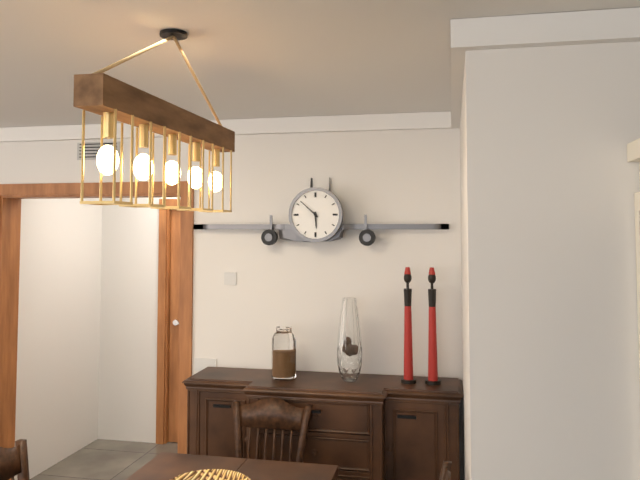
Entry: h=5 m=52
